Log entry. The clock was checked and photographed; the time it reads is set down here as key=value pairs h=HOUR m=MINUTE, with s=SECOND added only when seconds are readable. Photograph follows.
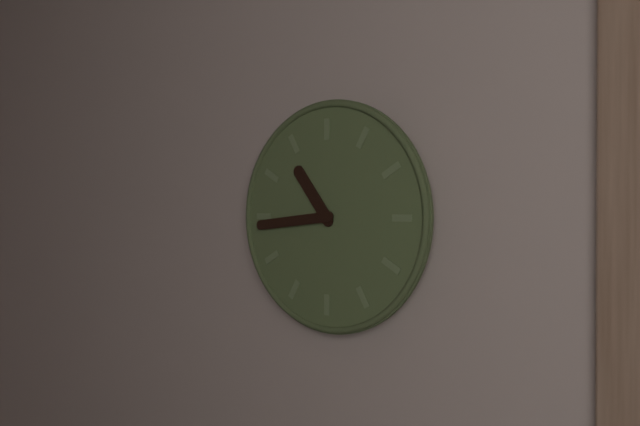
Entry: h=10 m=44
